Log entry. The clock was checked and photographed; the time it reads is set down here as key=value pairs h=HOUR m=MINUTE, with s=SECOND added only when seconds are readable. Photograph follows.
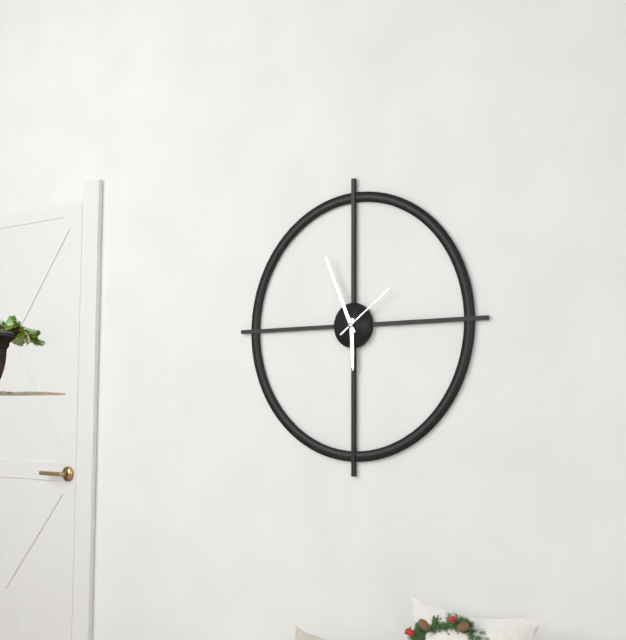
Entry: h=5 m=56 s=9
